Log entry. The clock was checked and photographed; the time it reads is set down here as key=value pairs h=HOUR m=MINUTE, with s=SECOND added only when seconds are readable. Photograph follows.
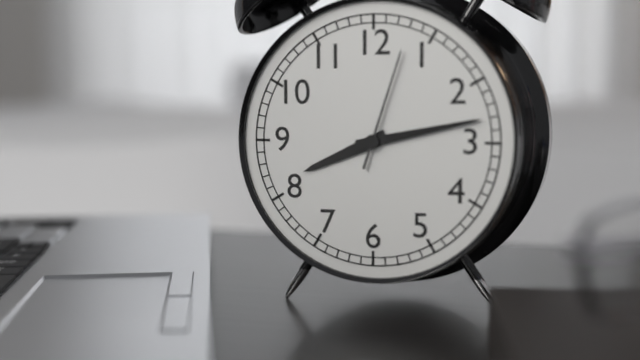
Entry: h=8 m=13 s=3
